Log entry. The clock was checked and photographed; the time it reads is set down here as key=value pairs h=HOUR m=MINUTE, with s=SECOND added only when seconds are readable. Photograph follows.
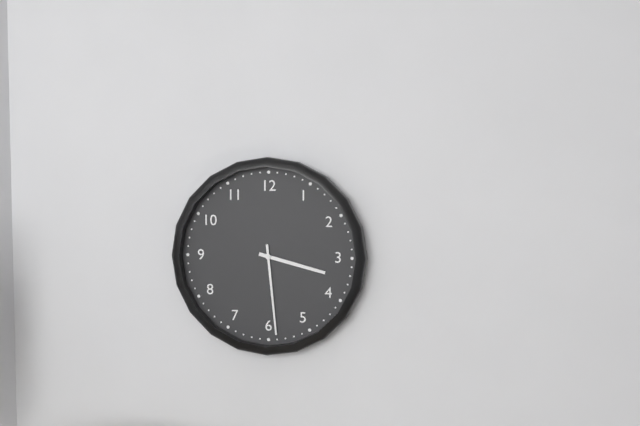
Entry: h=3 m=29
